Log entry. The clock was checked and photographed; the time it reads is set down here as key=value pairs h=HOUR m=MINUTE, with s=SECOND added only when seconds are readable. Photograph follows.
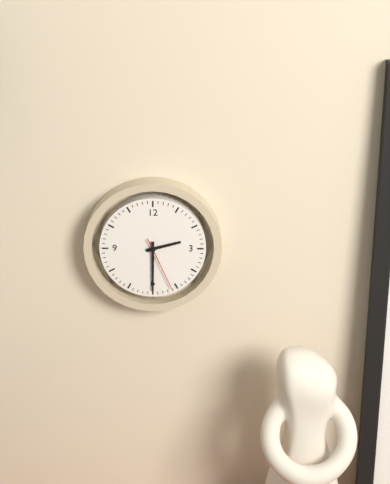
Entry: h=2 m=30 s=26
